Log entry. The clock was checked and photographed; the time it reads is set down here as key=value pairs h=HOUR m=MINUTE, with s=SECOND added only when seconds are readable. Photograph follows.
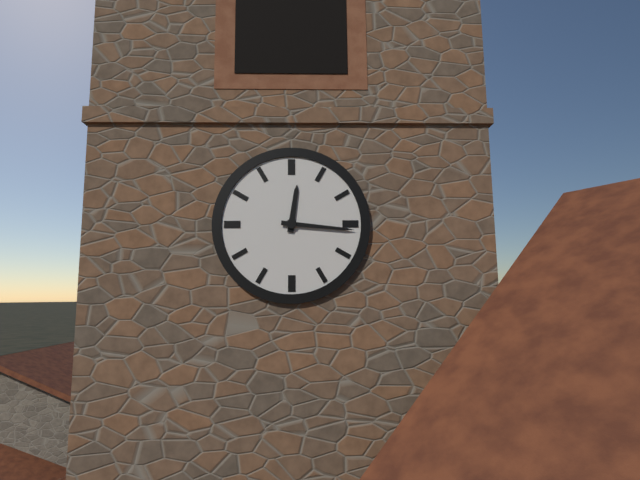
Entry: h=12 m=16
